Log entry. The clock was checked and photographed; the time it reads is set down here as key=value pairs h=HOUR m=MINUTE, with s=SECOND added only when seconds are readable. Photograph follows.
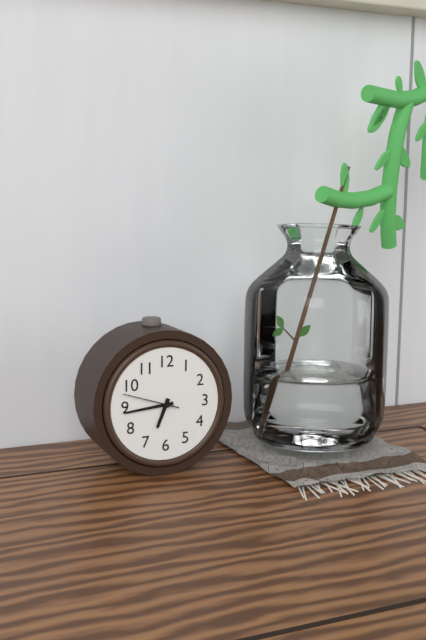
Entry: h=6 m=44 s=48
